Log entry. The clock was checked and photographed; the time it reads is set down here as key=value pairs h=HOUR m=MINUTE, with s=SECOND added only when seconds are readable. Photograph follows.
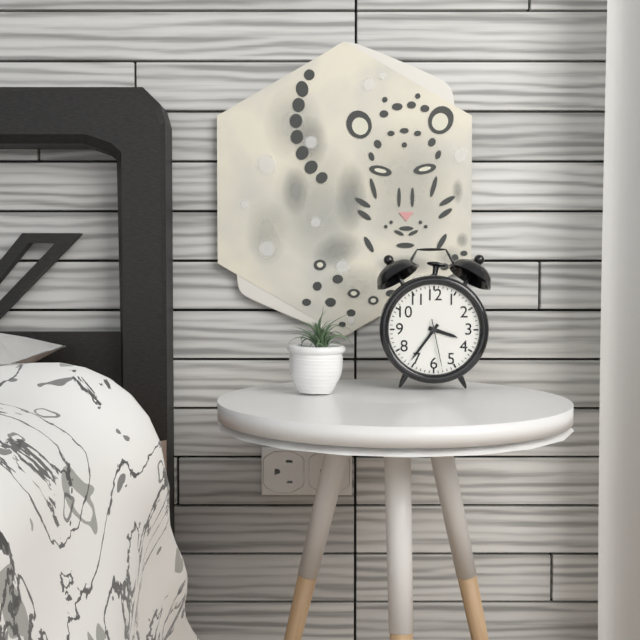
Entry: h=3 m=36 s=28
